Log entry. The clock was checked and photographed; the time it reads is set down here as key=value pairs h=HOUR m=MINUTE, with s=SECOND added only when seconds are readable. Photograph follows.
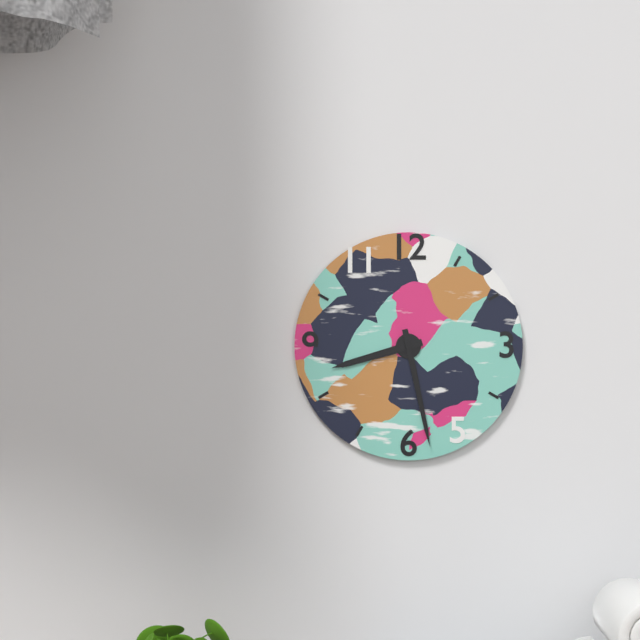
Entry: h=8 m=28
